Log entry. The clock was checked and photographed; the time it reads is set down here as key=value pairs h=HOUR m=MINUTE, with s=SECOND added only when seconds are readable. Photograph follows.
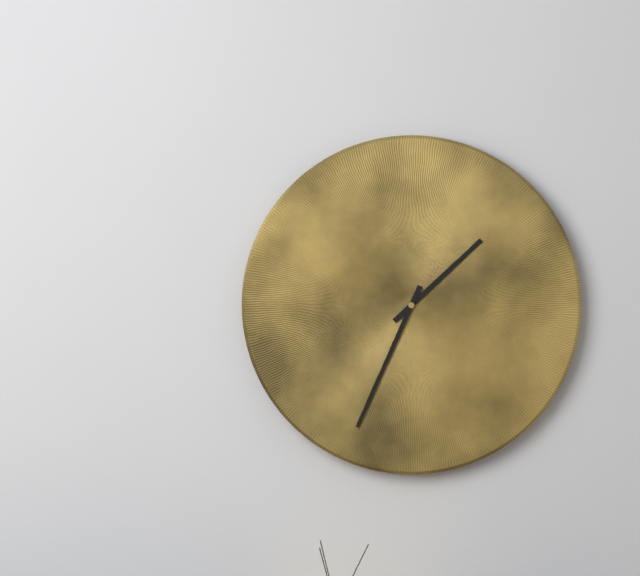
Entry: h=1 m=34
